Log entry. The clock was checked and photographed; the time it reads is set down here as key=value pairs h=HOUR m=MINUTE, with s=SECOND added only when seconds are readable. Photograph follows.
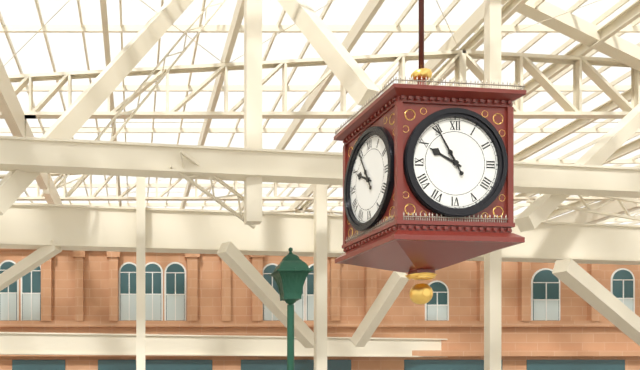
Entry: h=9 m=55
